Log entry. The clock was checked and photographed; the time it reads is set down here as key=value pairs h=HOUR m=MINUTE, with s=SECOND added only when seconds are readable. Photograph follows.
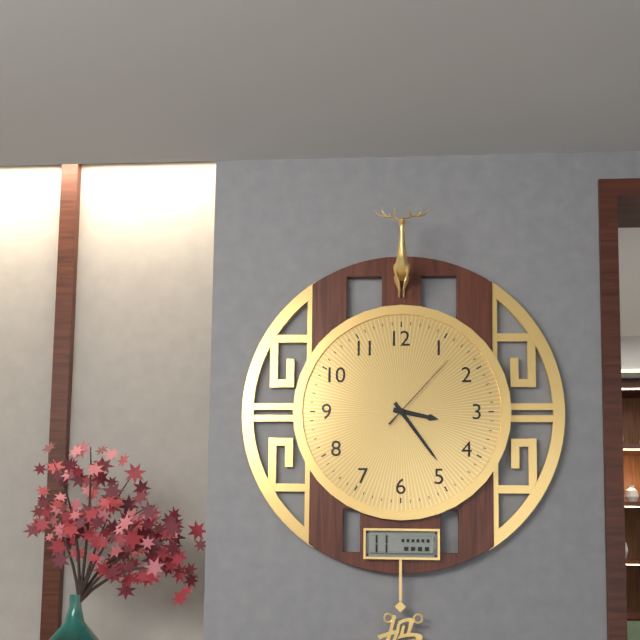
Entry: h=3 m=24 s=7
